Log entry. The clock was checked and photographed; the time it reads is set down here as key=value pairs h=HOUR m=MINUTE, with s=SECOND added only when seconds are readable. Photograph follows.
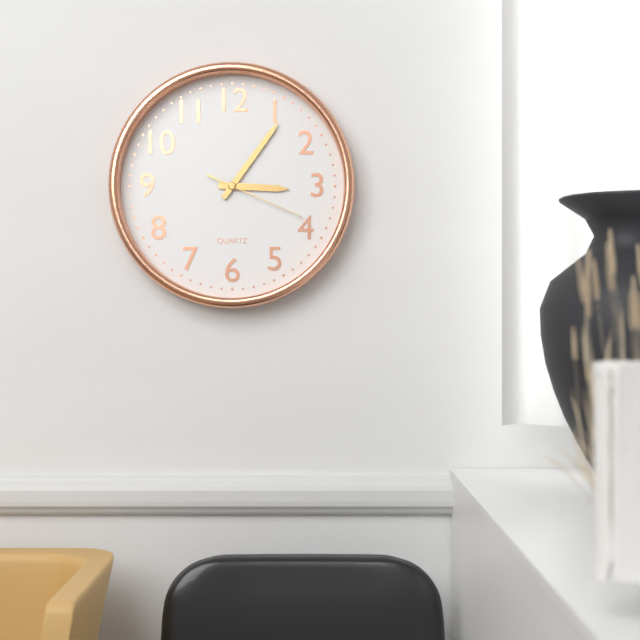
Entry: h=3 m=6 s=19
